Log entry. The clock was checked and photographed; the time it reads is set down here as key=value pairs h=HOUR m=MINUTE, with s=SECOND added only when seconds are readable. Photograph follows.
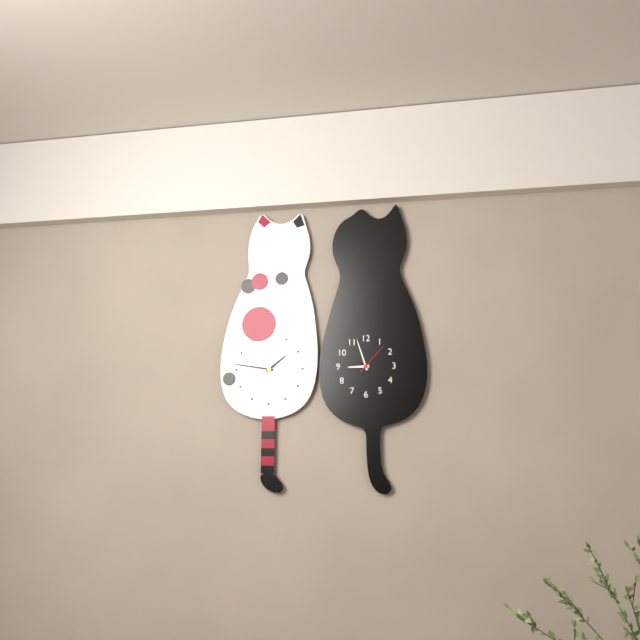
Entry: h=8 m=57
